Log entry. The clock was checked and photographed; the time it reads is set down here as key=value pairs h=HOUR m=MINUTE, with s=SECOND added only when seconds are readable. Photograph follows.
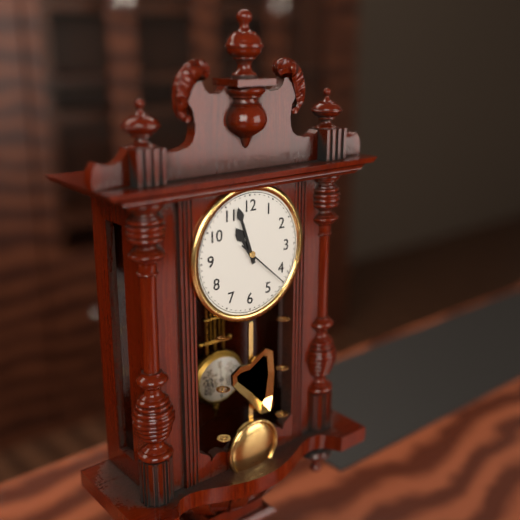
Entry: h=10 m=57 s=22
